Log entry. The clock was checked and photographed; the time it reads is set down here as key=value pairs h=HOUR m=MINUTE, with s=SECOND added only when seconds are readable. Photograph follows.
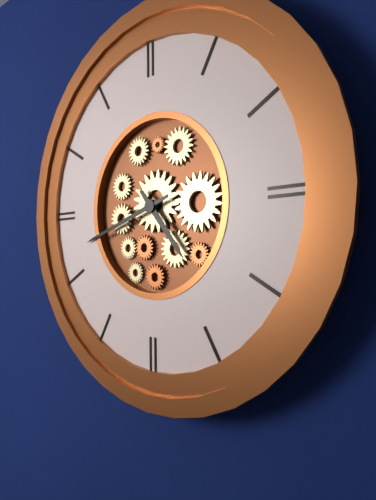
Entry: h=4 m=42
